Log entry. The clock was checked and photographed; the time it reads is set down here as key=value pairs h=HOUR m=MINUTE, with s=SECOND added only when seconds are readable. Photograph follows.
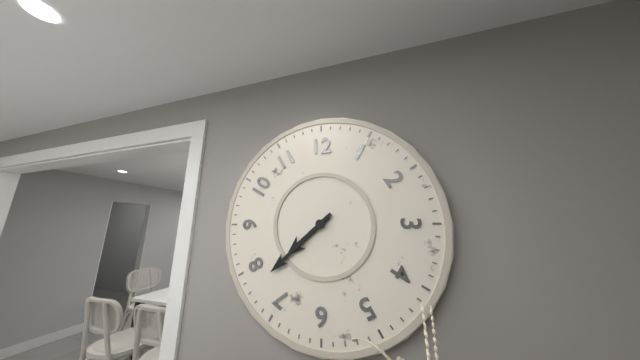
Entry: h=7 m=38
